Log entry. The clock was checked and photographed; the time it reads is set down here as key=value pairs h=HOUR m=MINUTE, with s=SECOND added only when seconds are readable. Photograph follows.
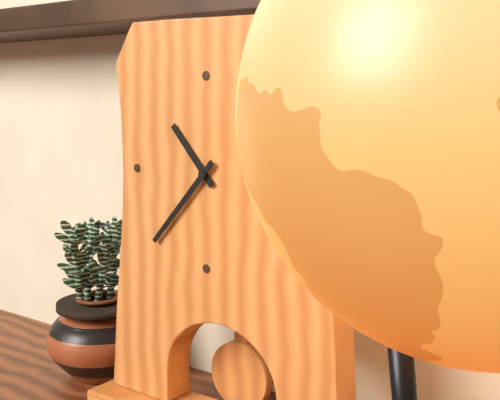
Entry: h=10 m=37
